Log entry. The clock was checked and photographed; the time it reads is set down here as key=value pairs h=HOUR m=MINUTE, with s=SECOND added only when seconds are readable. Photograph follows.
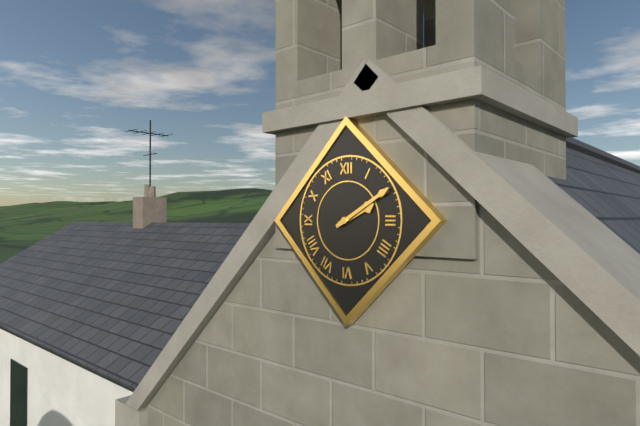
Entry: h=2 m=10
